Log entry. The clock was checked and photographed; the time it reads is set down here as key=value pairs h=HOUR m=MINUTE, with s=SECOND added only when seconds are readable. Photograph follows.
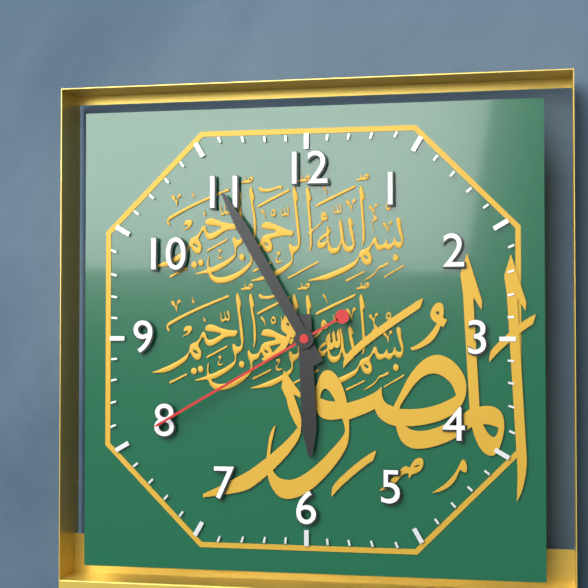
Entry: h=5 m=55 s=40
